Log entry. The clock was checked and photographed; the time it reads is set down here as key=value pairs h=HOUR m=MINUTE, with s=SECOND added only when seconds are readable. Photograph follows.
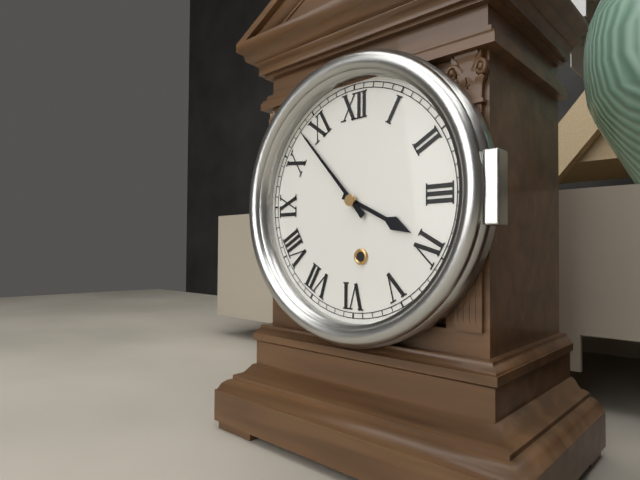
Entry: h=3 m=53
